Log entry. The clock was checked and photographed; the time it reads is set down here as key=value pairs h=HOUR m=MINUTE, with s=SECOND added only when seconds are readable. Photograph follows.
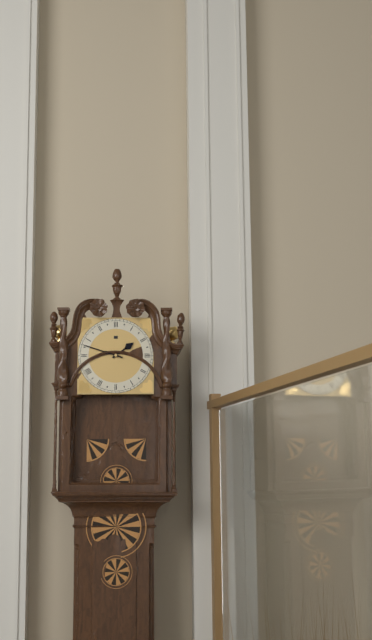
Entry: h=1 m=48
